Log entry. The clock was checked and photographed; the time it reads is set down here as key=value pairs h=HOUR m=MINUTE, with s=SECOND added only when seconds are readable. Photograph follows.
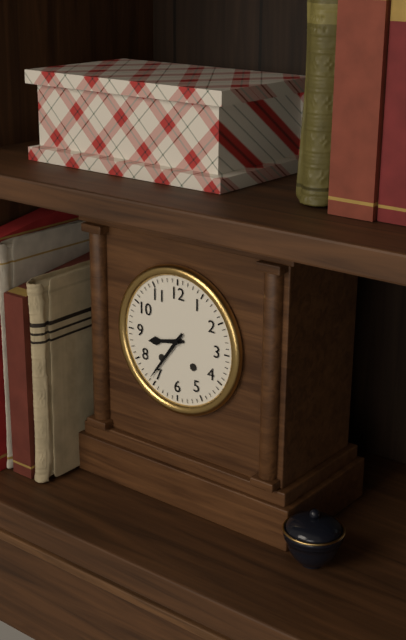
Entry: h=8 m=36
